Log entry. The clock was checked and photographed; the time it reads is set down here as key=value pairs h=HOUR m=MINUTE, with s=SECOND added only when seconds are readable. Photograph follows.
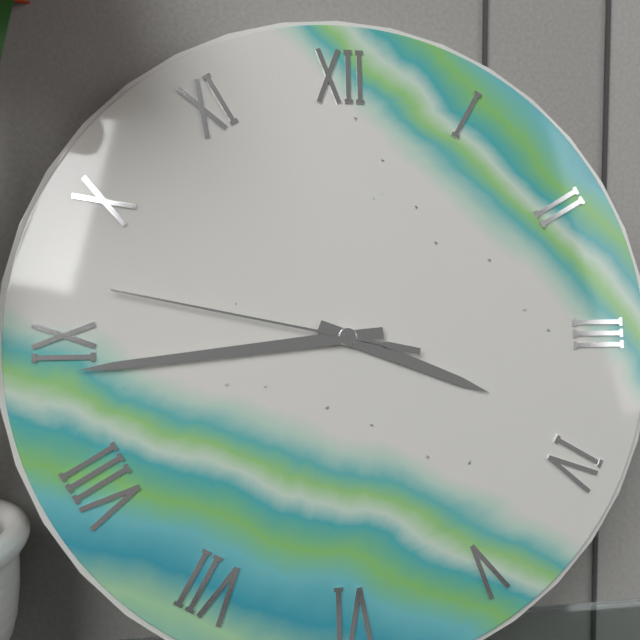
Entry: h=3 m=44 s=47
